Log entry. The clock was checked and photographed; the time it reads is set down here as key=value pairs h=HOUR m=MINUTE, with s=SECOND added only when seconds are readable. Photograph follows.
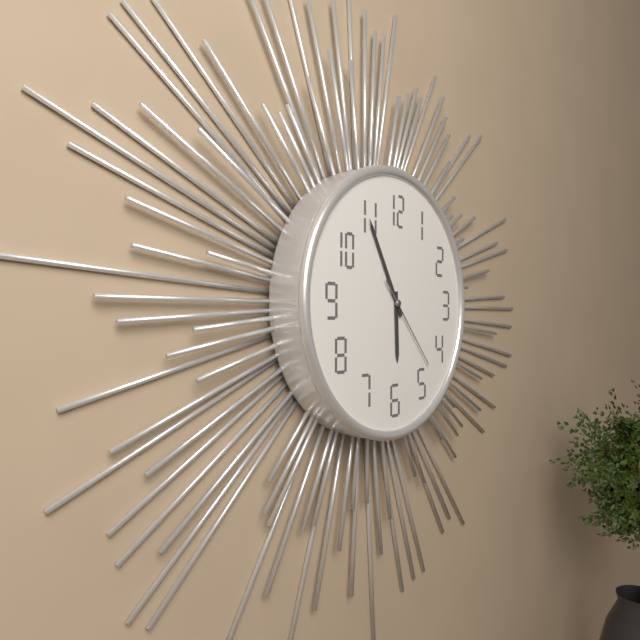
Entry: h=5 m=55 s=23
